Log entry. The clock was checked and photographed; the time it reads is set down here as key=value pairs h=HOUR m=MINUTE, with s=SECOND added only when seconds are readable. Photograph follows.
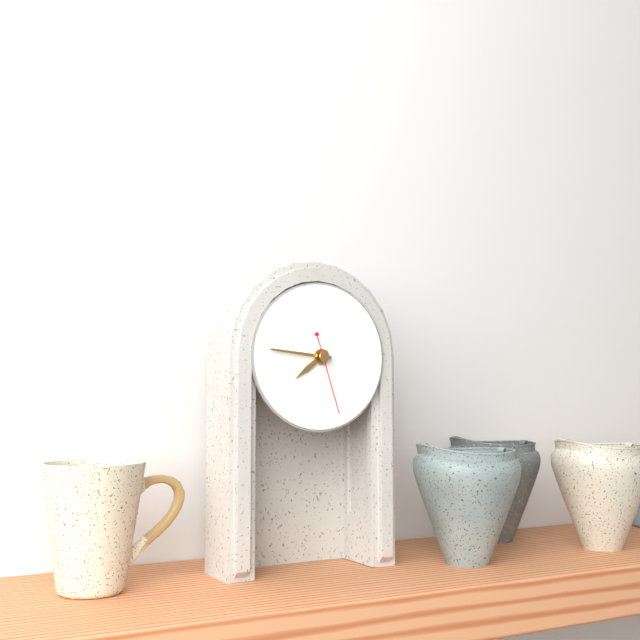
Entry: h=7 m=46 s=27
